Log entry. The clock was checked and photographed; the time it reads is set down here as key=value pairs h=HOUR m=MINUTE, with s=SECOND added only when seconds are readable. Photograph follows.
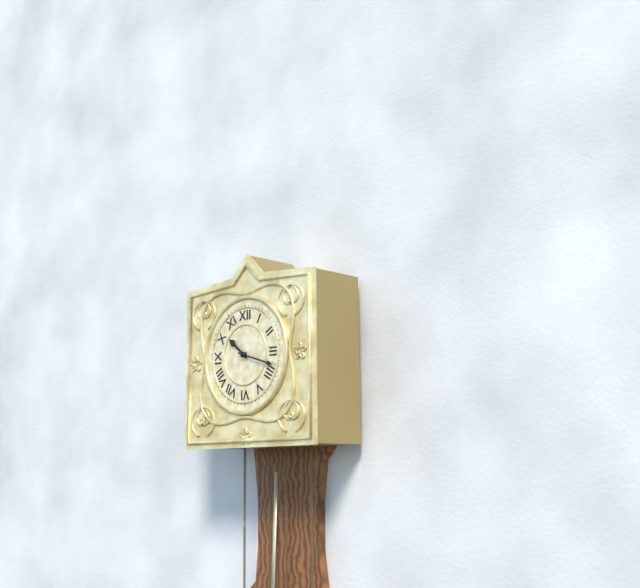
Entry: h=10 m=18
